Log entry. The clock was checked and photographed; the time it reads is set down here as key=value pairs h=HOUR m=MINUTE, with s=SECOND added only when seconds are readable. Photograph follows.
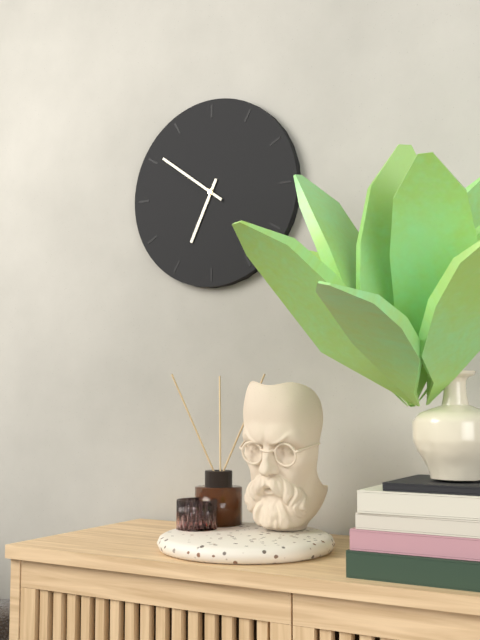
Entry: h=6 m=51
